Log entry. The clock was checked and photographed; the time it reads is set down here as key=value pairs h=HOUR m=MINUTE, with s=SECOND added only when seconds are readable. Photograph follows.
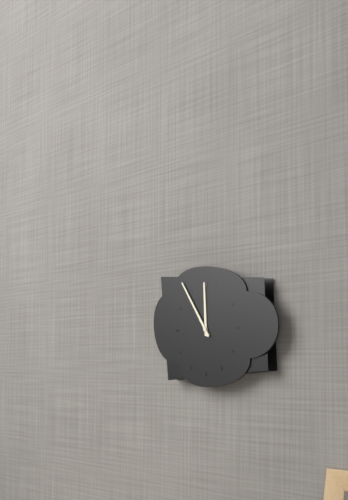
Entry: h=11 m=54
